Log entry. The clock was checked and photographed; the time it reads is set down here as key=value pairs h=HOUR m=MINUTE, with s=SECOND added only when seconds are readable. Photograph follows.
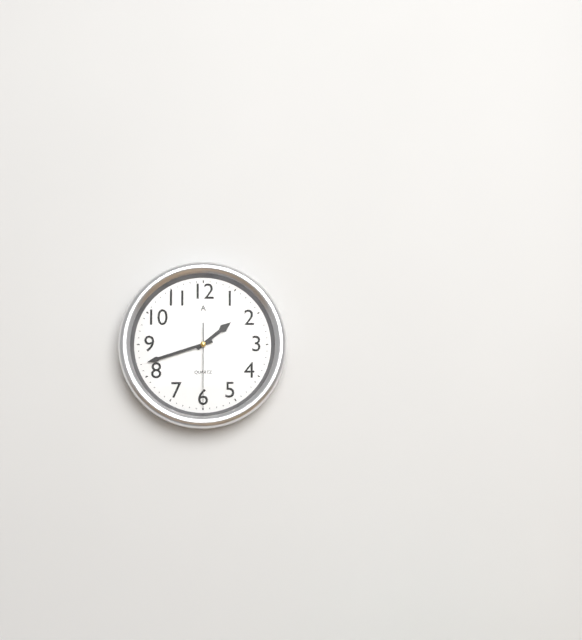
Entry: h=1 m=42 s=30
